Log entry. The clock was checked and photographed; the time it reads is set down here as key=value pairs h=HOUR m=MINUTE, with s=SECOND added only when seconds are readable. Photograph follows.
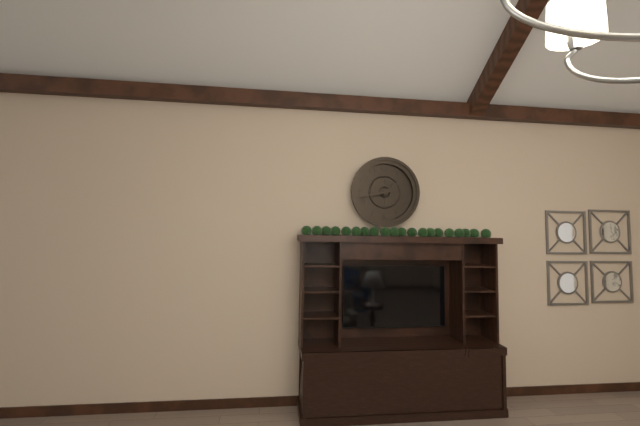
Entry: h=1 m=43
